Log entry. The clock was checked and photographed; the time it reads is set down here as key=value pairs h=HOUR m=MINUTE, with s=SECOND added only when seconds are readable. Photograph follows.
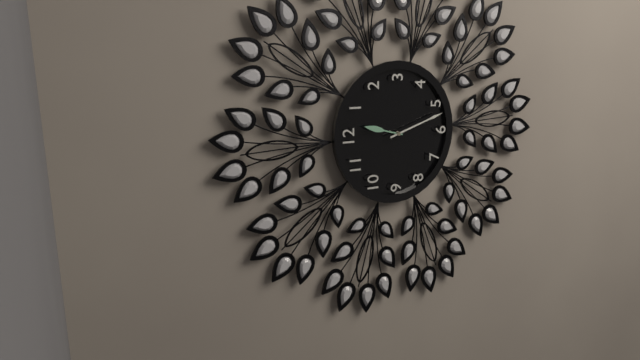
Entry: h=12 m=27
